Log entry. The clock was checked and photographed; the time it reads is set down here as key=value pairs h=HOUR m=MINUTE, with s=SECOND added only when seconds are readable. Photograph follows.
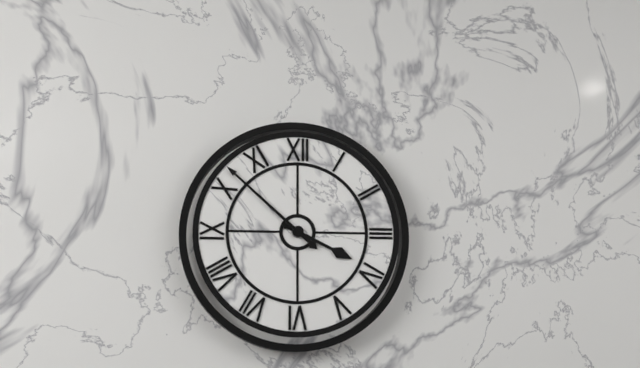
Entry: h=3 m=52
